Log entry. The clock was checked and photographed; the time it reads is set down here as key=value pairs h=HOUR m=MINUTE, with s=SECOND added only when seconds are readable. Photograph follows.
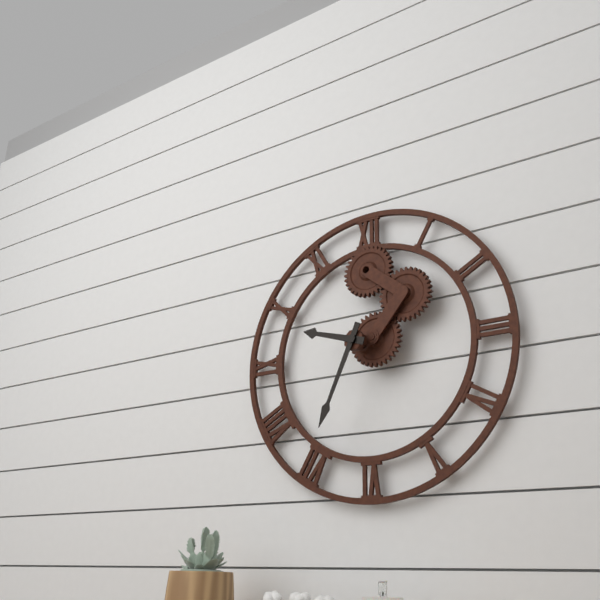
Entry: h=9 m=34
